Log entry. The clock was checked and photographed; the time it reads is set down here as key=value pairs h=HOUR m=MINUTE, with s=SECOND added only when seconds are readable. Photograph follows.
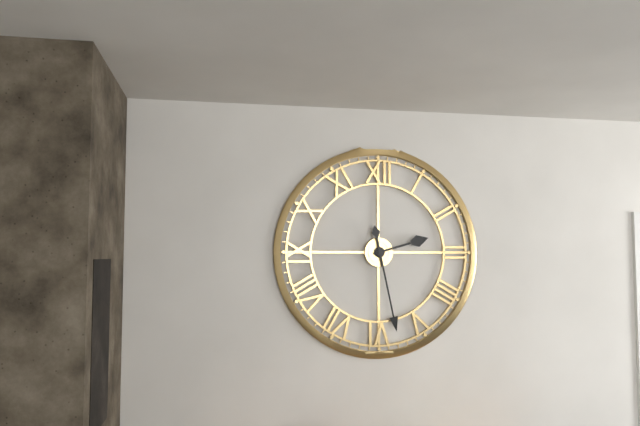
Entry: h=2 m=28
